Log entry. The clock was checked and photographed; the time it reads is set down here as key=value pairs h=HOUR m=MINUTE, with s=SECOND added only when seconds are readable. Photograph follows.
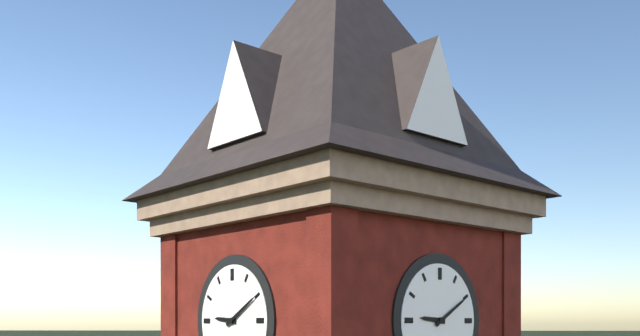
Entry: h=9 m=10
